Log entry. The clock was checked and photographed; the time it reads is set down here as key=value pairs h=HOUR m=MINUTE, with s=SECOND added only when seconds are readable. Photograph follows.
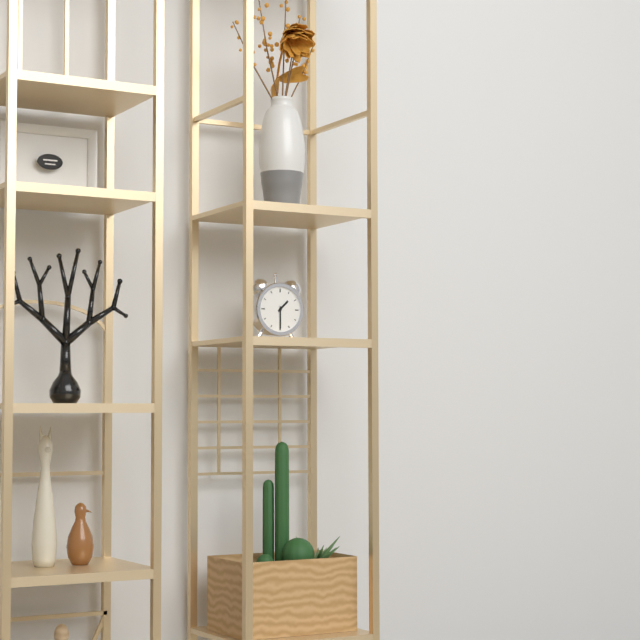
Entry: h=1 m=30
